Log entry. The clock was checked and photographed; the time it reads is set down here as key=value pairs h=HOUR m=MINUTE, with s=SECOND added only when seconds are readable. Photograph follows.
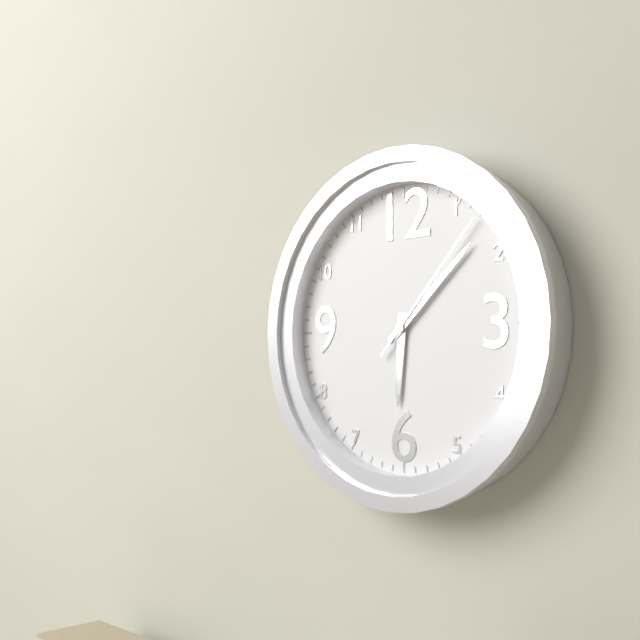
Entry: h=6 m=8 s=7
